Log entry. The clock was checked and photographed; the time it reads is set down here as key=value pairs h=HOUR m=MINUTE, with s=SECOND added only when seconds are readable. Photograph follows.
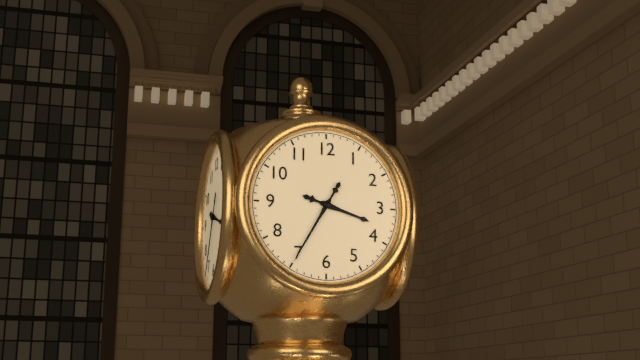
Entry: h=3 m=35
